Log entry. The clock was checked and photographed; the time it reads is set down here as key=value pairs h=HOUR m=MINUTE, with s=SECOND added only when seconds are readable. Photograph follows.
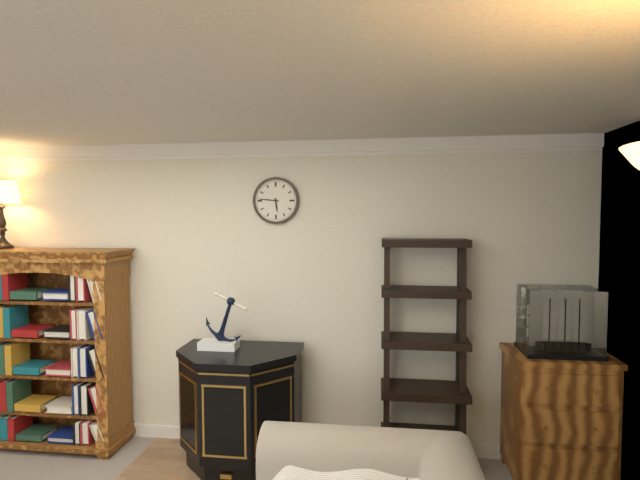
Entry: h=5 m=46
